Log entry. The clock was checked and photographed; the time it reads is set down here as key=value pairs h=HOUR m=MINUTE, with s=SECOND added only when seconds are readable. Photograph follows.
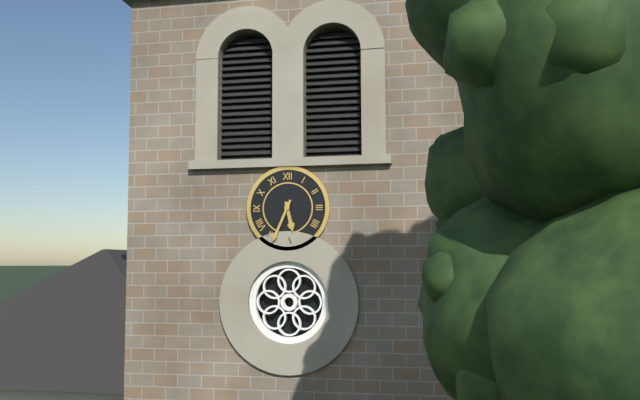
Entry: h=5 m=34
